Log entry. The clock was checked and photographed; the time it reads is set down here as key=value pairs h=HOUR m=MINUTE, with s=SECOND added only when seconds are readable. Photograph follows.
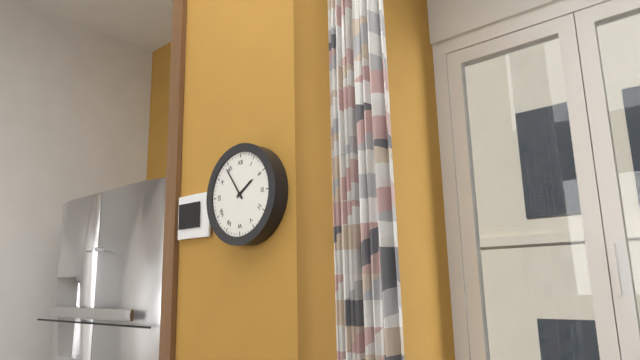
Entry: h=1 m=54
